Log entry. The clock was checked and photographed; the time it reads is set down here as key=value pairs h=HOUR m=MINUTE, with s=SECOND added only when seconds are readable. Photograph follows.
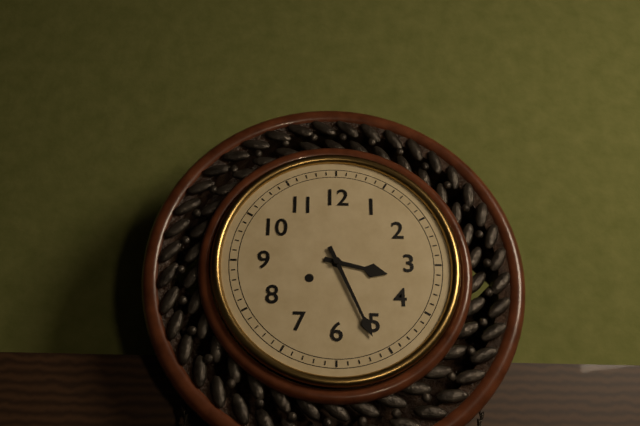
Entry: h=3 m=26
